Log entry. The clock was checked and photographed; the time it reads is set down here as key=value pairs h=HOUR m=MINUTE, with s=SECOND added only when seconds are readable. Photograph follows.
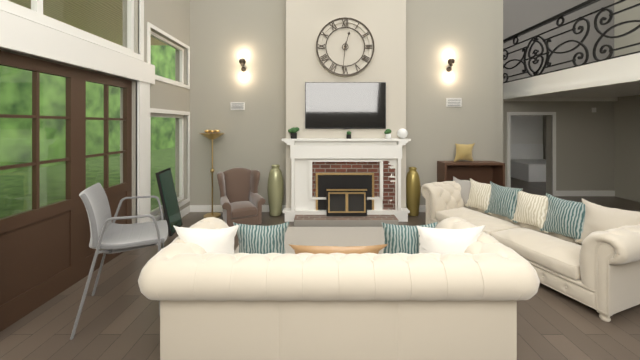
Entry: h=12 m=31
